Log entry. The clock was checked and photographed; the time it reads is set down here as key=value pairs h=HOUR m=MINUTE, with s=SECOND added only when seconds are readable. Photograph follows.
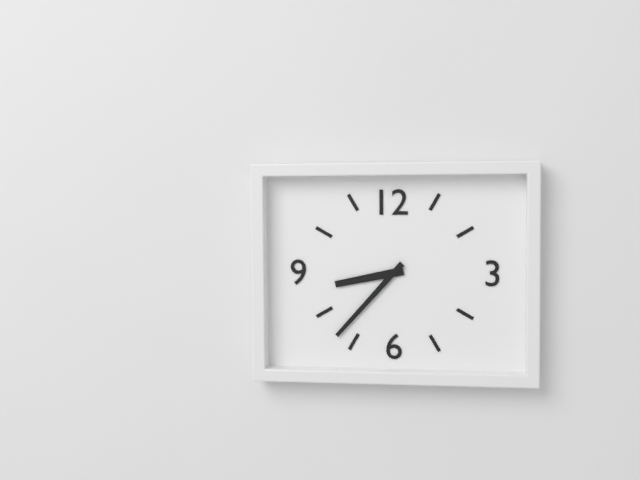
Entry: h=8 m=37
